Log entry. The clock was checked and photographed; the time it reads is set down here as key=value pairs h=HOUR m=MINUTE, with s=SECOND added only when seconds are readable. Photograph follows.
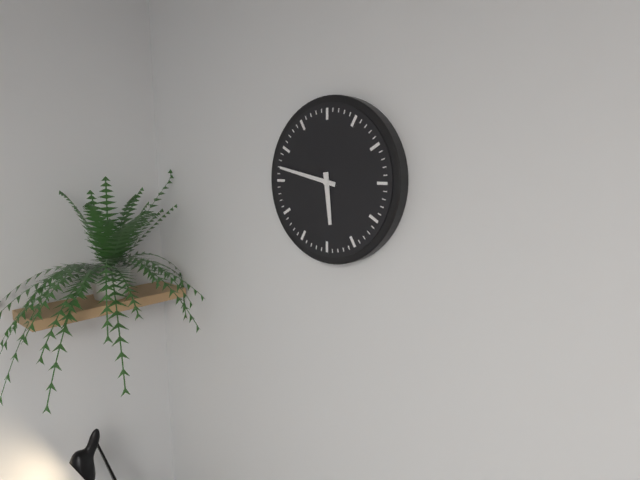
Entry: h=5 m=47
